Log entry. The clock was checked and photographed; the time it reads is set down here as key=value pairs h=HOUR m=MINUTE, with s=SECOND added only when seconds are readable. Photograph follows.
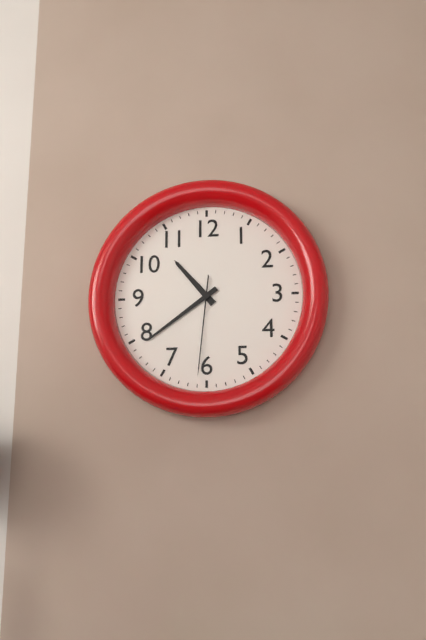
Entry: h=10 m=39 s=31
